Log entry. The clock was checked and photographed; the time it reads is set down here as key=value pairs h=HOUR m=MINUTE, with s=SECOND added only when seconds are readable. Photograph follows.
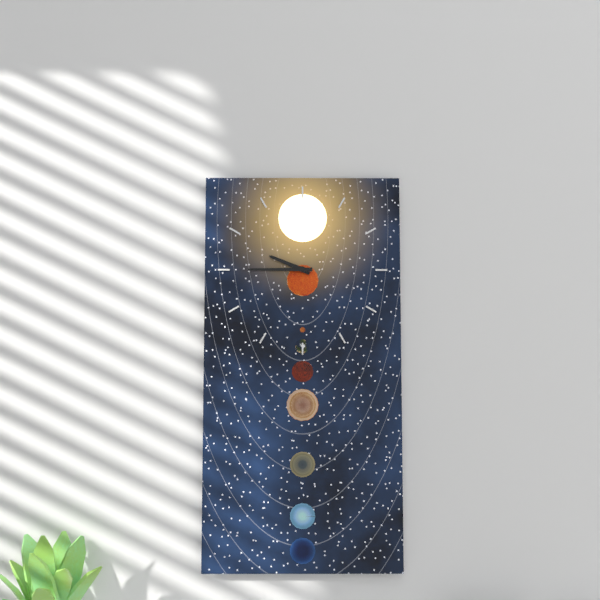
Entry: h=9 m=45
